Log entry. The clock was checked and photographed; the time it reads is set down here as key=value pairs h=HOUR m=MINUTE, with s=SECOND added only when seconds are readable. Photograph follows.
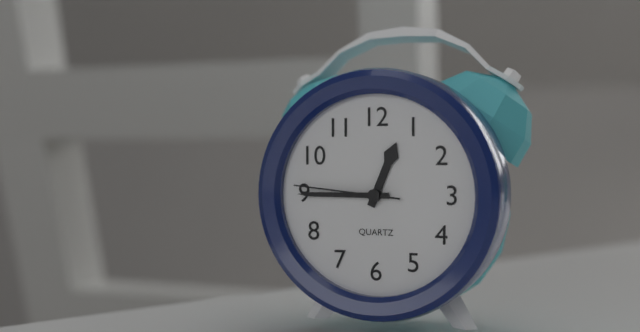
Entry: h=12 m=45 s=46
